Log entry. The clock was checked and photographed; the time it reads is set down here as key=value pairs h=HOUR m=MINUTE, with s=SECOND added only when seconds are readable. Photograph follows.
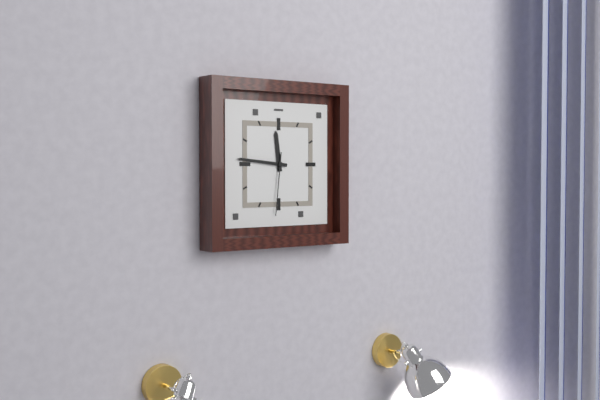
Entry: h=11 m=46 s=31
